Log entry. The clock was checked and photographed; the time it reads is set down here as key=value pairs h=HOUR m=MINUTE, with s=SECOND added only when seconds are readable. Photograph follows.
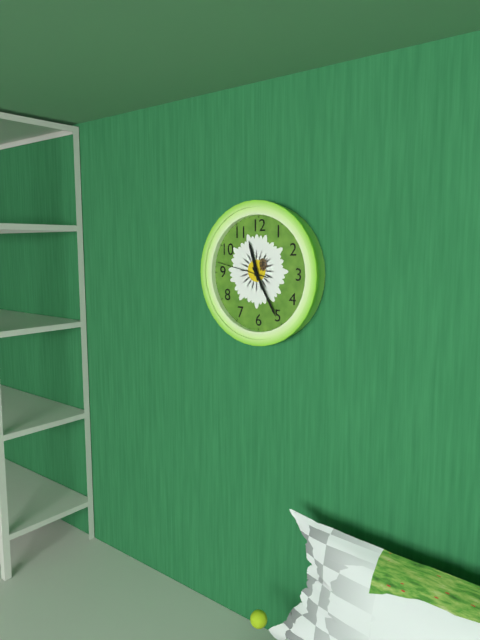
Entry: h=11 m=25
